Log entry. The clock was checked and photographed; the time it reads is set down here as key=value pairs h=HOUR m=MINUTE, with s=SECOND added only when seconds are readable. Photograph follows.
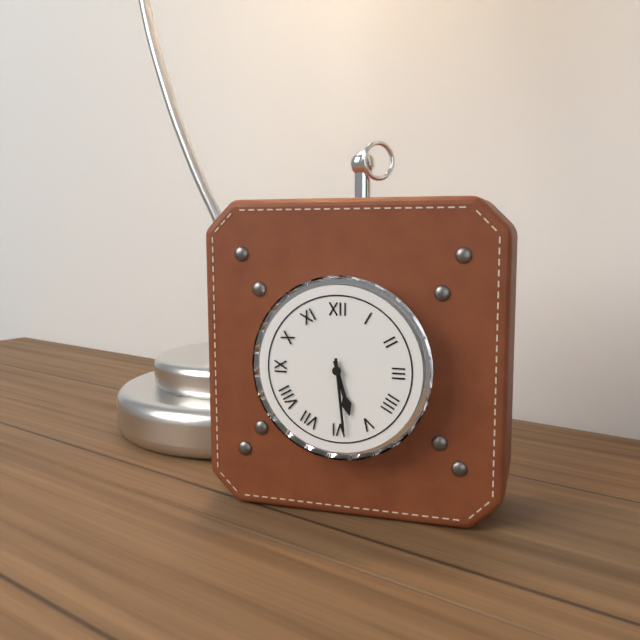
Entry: h=5 m=29
